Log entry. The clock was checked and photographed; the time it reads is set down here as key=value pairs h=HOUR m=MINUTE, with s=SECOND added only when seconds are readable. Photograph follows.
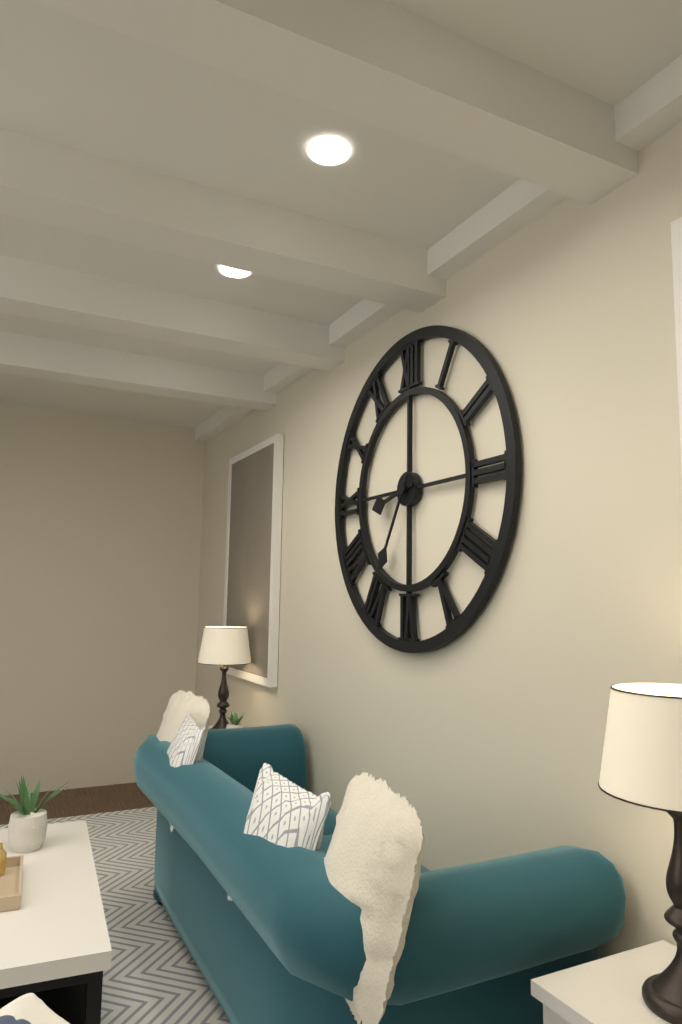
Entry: h=8 m=35
